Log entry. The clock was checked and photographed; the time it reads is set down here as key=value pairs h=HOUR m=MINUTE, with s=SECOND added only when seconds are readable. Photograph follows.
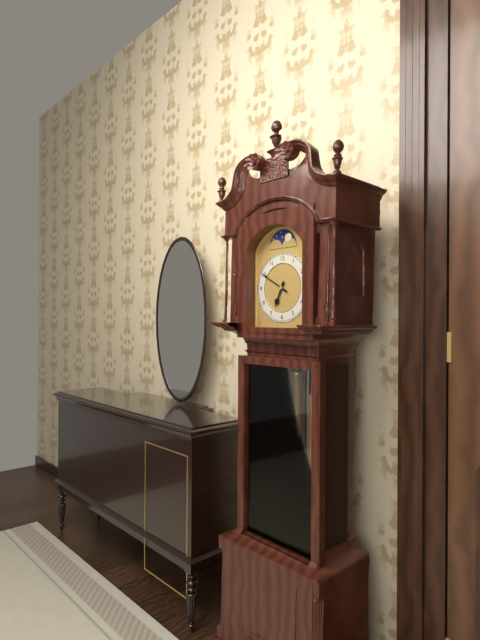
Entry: h=6 m=50
